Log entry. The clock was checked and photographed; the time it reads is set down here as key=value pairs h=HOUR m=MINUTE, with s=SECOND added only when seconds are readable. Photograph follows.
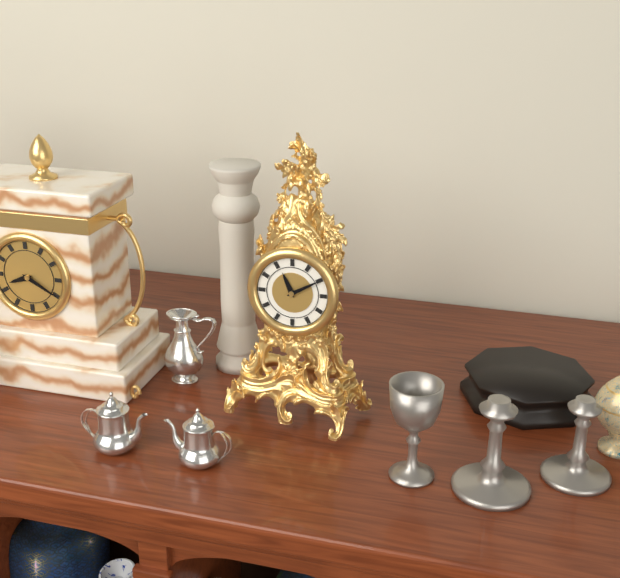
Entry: h=11 m=10
